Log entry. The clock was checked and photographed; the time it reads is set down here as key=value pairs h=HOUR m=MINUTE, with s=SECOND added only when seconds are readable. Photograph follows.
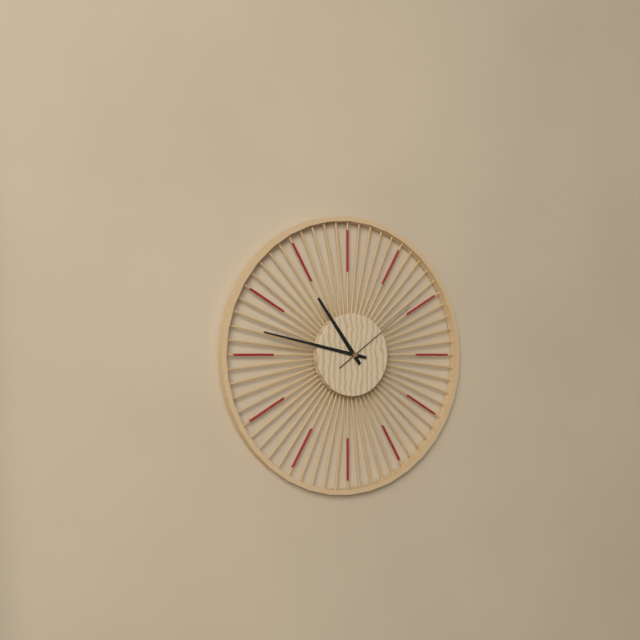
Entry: h=10 m=47 s=9
